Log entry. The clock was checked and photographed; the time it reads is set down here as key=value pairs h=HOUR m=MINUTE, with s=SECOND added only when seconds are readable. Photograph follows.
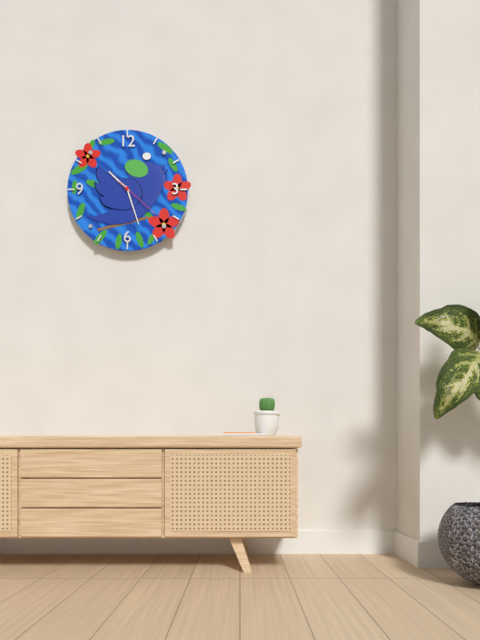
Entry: h=10 m=27 s=22
